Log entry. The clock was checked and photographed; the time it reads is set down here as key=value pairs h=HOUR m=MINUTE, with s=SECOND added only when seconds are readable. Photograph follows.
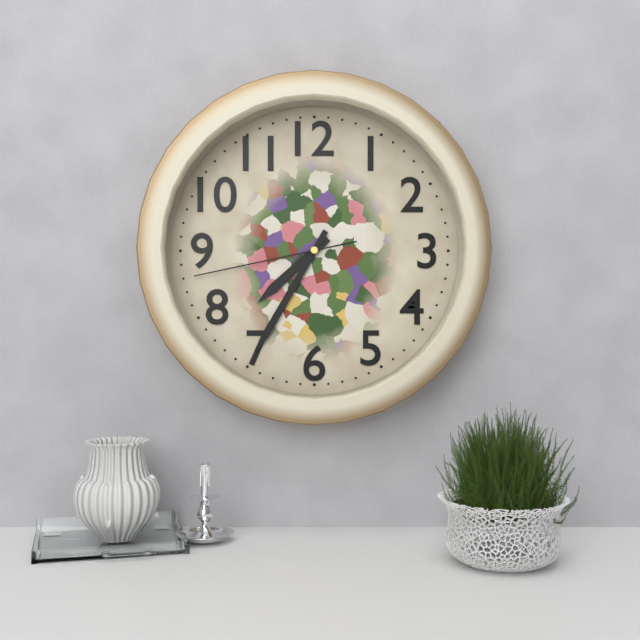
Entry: h=7 m=35 s=43
